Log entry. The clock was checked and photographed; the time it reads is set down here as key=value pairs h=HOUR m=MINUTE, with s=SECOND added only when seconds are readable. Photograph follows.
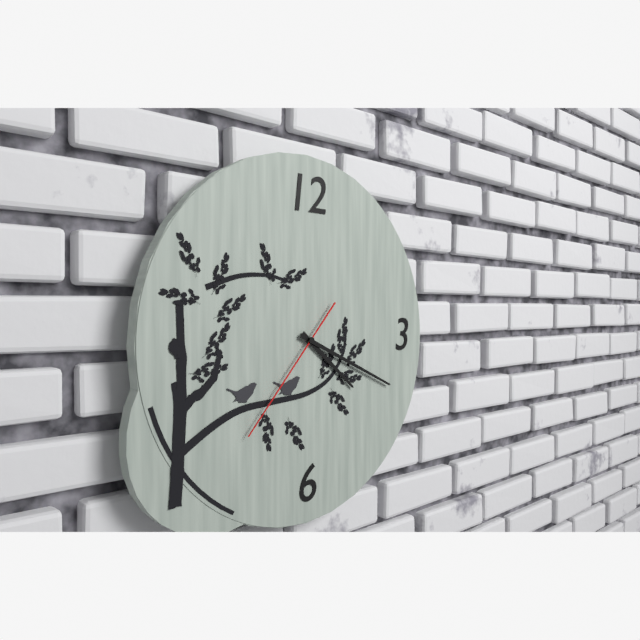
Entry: h=4 m=19 s=37
